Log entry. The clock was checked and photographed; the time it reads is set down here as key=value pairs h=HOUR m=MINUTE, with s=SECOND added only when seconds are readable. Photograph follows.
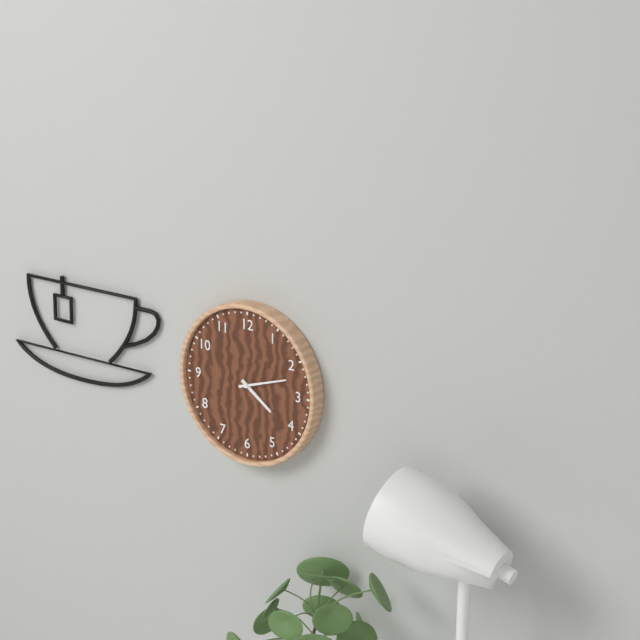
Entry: h=4 m=12
